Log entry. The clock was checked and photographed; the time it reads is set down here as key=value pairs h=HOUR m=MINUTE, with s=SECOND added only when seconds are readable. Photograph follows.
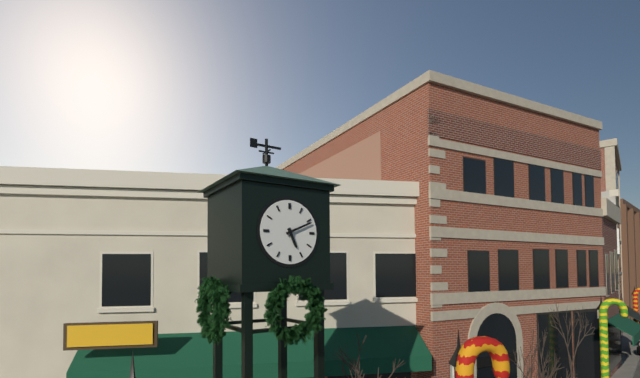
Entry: h=5 m=11
